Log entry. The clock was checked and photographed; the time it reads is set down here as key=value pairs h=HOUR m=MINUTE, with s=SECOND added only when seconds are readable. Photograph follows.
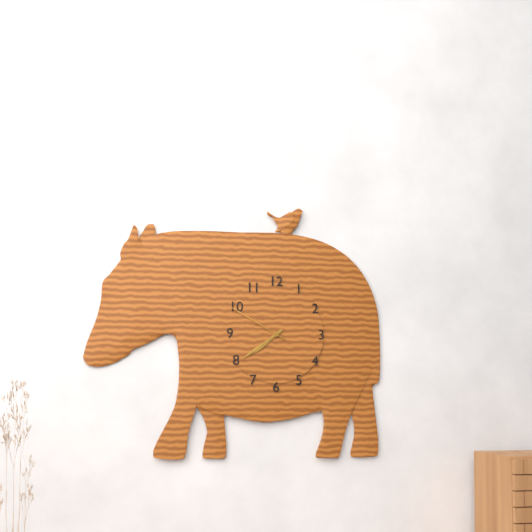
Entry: h=7 m=39 s=50
